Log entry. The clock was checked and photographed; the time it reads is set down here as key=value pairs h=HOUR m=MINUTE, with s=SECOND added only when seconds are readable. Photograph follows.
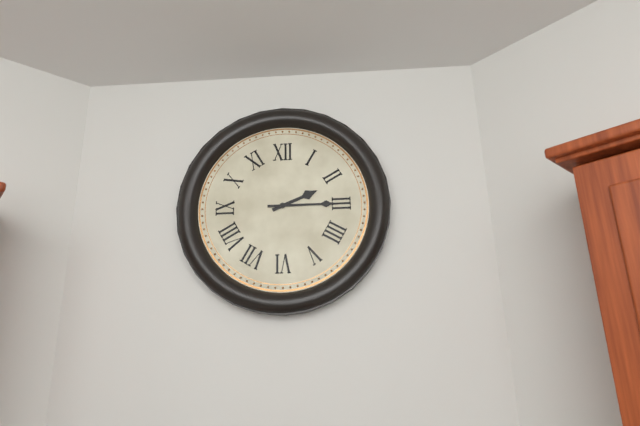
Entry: h=2 m=15
